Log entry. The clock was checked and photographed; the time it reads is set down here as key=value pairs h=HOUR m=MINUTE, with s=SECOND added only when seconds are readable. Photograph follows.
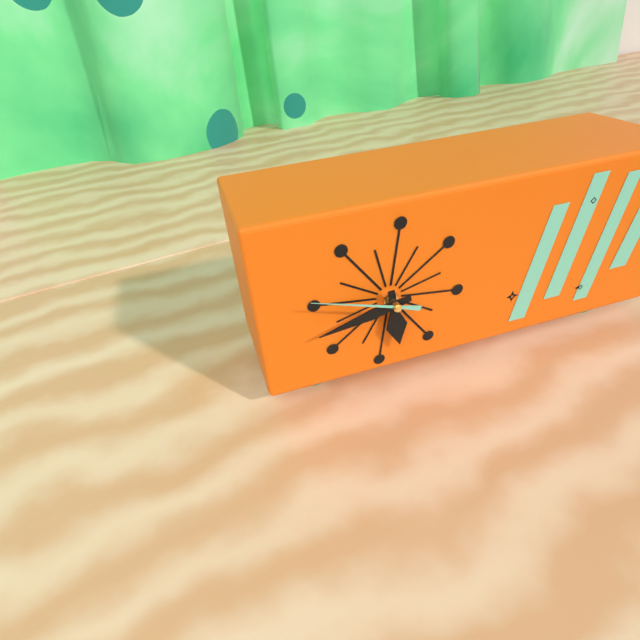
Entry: h=5 m=43 s=48
